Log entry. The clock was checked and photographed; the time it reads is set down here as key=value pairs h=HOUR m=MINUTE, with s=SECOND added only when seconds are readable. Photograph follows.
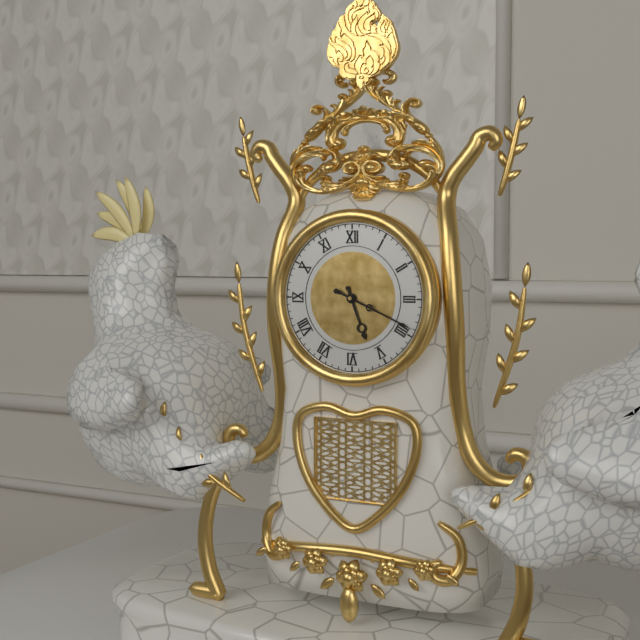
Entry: h=5 m=19 s=19
